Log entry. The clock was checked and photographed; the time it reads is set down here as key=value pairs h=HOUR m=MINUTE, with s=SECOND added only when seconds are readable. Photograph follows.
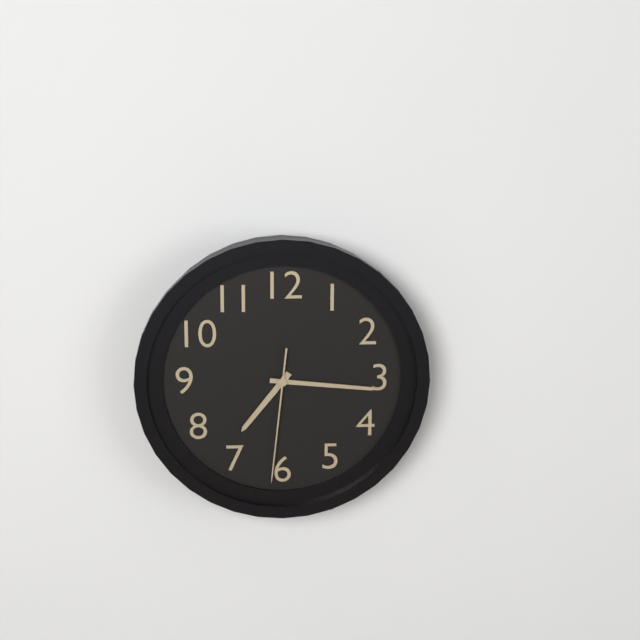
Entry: h=7 m=16 s=31
